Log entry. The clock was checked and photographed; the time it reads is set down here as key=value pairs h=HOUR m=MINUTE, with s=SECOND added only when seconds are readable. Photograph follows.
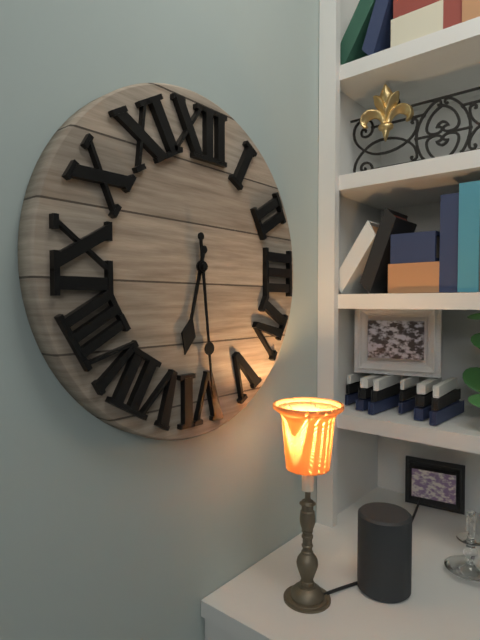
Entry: h=6 m=29
